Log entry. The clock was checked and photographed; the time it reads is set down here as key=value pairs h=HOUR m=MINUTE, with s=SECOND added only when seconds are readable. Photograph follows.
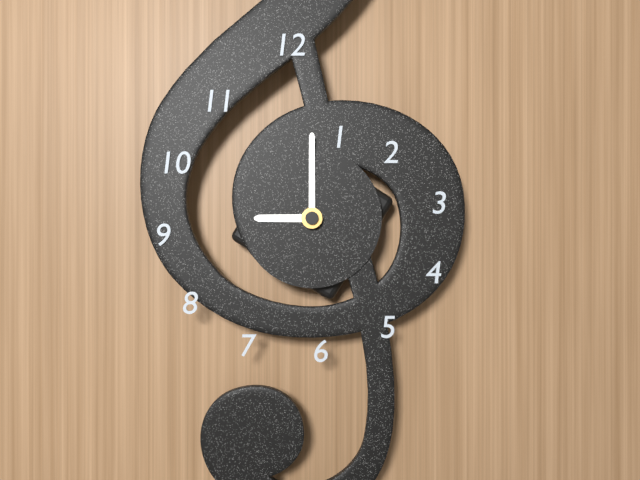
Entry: h=9 m=0
